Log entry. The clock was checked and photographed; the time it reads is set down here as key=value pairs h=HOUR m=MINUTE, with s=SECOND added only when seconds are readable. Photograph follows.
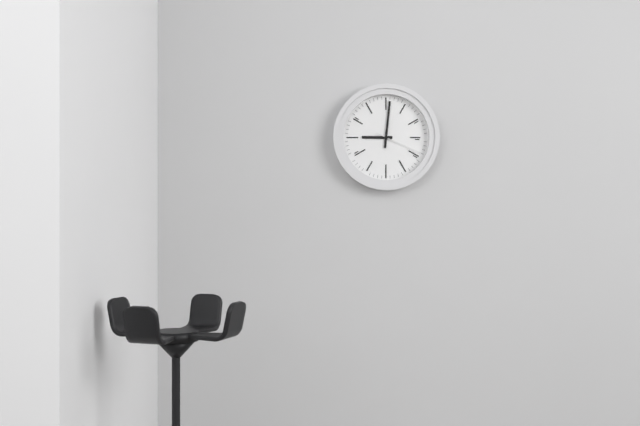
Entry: h=9 m=1
